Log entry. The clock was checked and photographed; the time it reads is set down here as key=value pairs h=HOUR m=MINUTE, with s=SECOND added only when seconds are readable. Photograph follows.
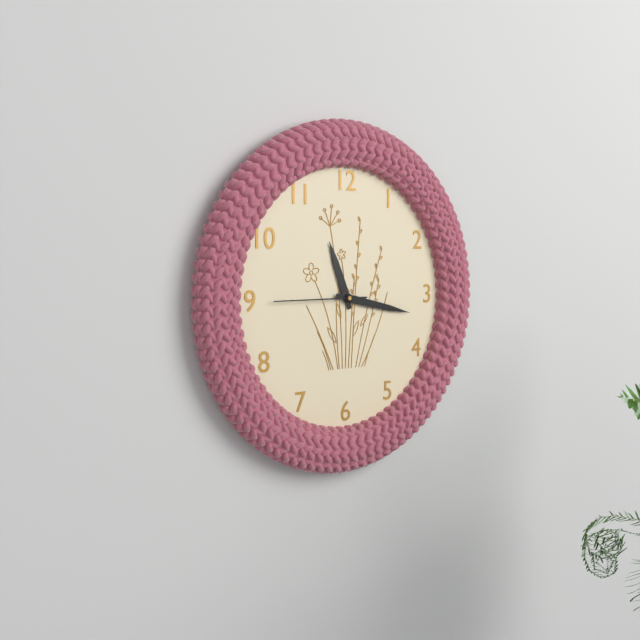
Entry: h=11 m=17 s=45
